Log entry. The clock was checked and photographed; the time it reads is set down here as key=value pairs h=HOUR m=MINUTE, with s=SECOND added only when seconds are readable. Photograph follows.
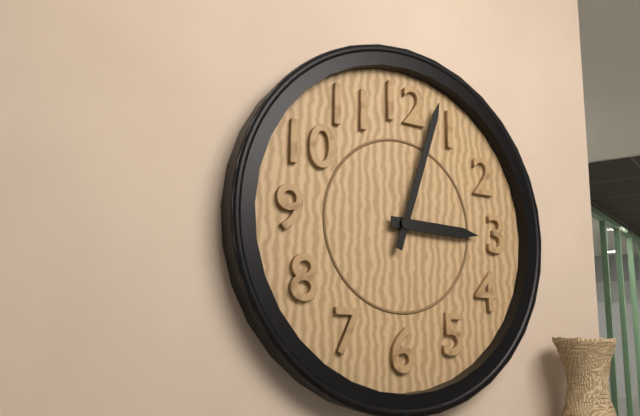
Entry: h=3 m=3
